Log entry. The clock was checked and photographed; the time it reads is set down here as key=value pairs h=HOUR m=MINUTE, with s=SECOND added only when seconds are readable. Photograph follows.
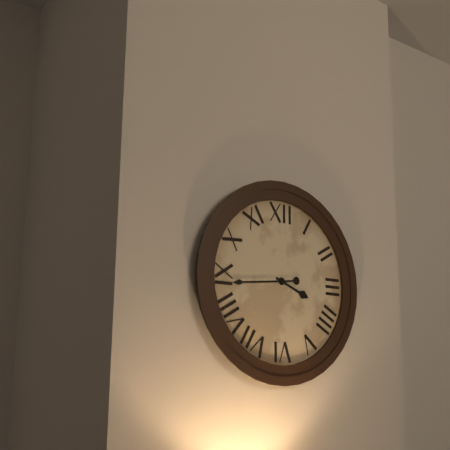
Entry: h=3 m=44
